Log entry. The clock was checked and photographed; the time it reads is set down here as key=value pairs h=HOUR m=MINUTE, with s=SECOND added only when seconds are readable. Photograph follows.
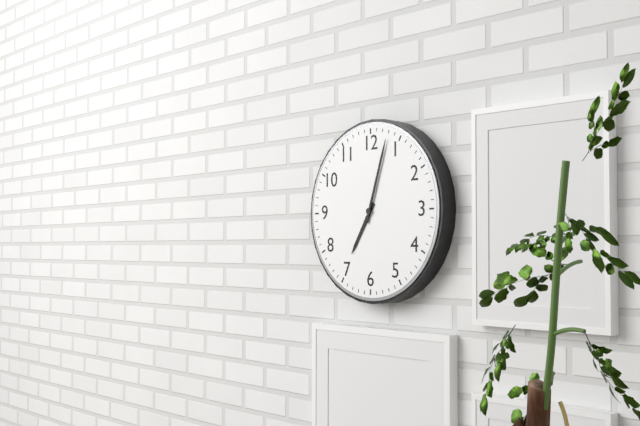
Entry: h=7 m=3
